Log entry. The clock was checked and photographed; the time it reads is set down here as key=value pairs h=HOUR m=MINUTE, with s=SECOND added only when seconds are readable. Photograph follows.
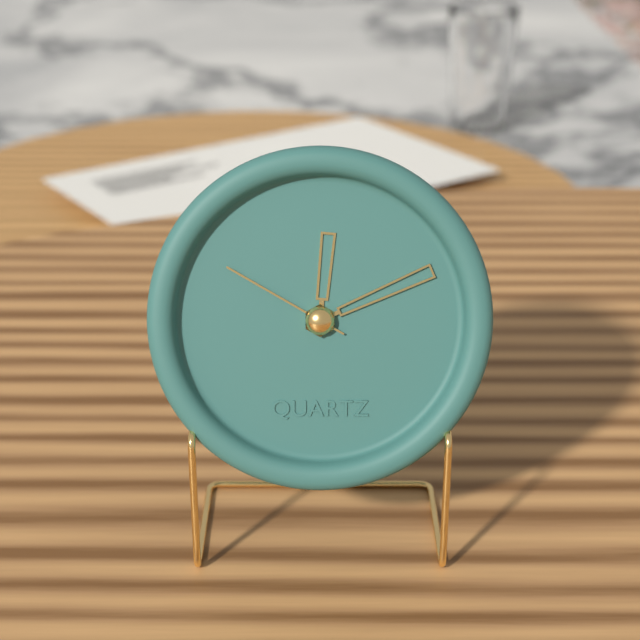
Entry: h=12 m=11 s=50
